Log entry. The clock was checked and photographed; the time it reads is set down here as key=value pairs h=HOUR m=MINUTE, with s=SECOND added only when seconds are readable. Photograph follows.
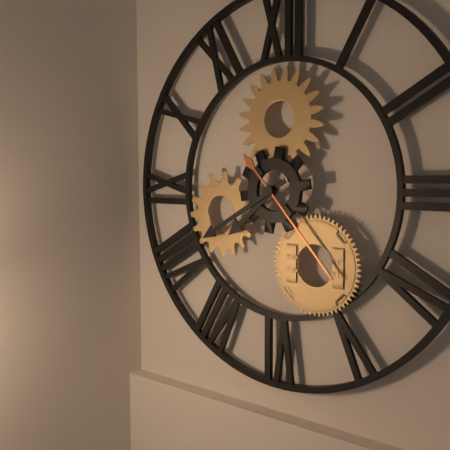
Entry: h=7 m=40 s=23
